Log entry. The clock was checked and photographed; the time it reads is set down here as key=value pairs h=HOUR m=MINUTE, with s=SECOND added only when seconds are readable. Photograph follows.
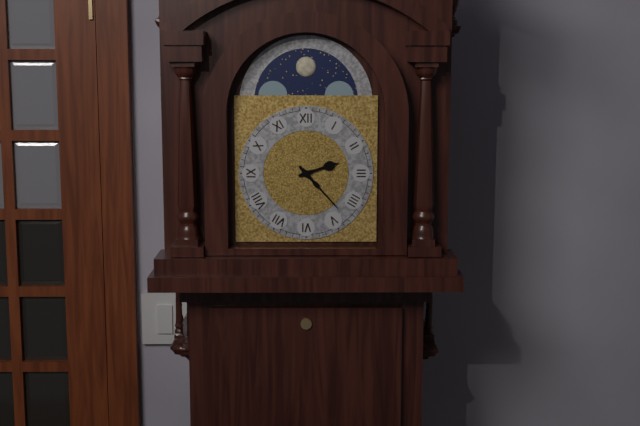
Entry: h=2 m=23
